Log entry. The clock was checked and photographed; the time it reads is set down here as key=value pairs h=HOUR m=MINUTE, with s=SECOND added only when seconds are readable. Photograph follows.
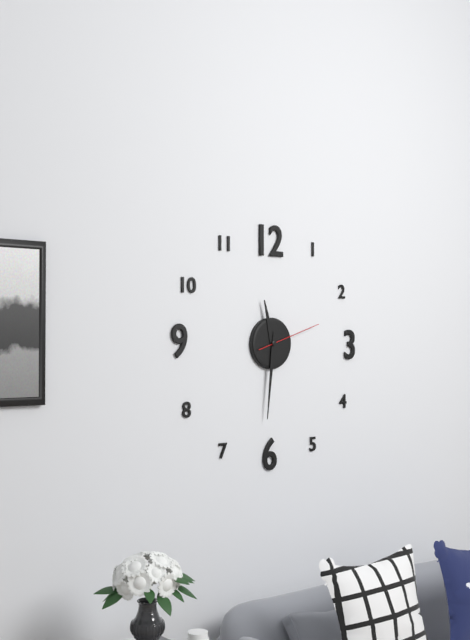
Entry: h=11 m=31 s=12
